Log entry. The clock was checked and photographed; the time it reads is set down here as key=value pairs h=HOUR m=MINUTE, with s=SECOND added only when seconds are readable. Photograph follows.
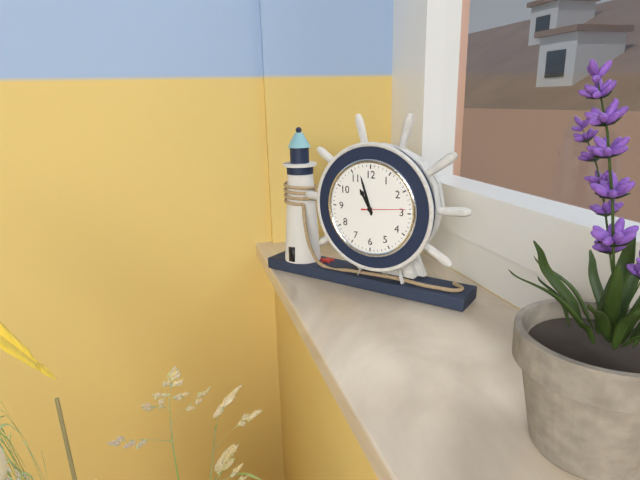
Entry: h=10 m=57
